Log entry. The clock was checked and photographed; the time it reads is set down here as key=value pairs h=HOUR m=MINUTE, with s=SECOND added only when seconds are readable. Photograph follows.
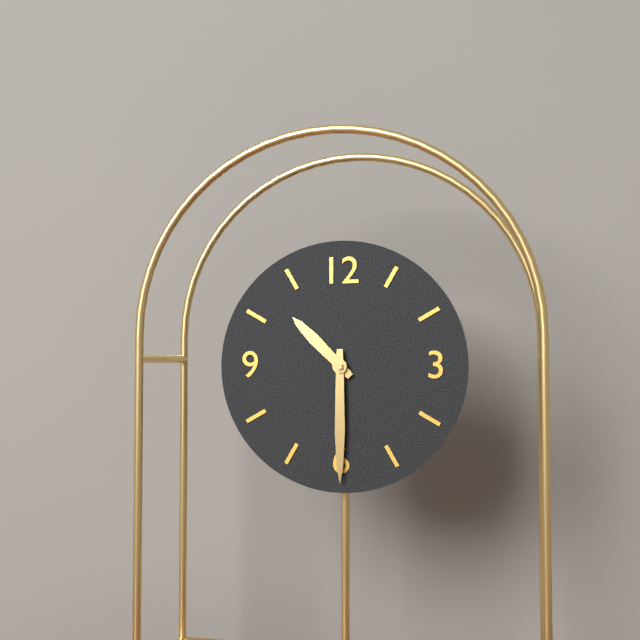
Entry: h=10 m=30
